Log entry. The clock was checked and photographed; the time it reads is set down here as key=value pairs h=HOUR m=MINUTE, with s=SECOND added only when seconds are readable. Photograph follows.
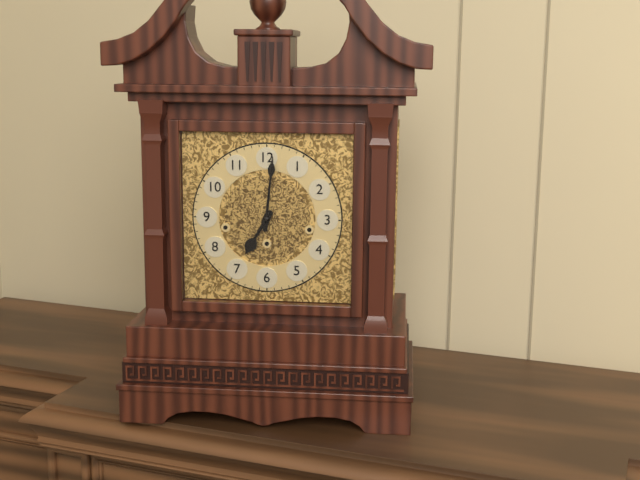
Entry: h=7 m=1
